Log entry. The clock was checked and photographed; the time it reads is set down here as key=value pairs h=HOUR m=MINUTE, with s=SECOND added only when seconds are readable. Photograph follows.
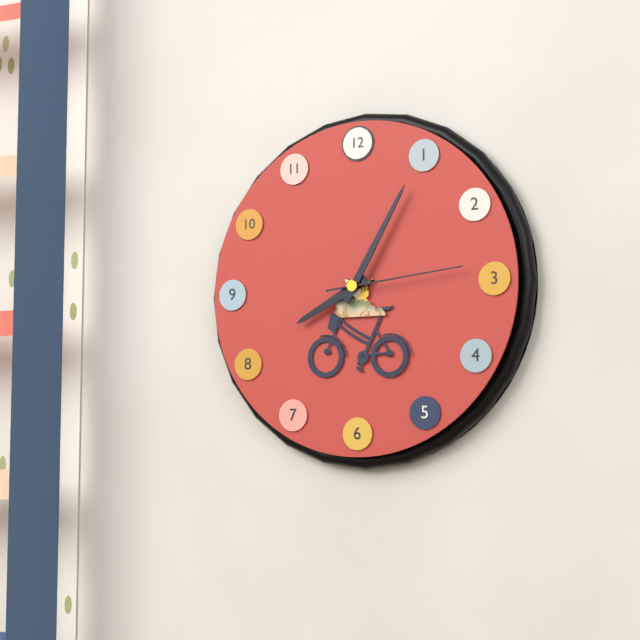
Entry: h=8 m=5 s=14
